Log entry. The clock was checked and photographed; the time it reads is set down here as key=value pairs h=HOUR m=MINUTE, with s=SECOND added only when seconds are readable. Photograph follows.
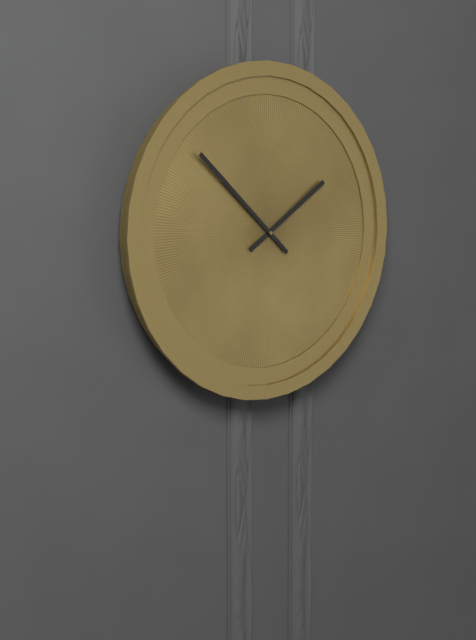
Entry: h=1 m=52
